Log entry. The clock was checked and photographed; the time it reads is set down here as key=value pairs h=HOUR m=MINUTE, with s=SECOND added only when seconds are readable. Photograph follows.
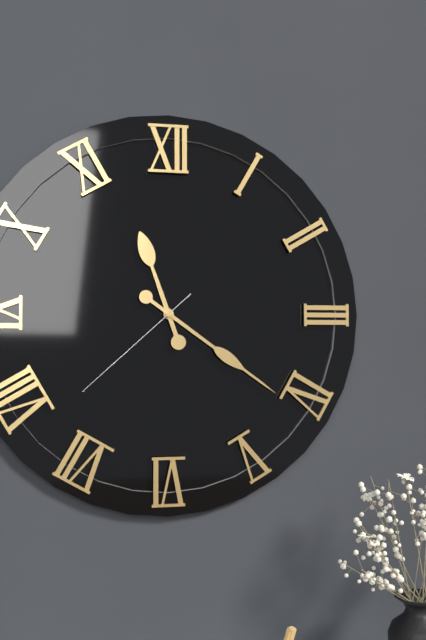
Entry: h=11 m=21 s=38
